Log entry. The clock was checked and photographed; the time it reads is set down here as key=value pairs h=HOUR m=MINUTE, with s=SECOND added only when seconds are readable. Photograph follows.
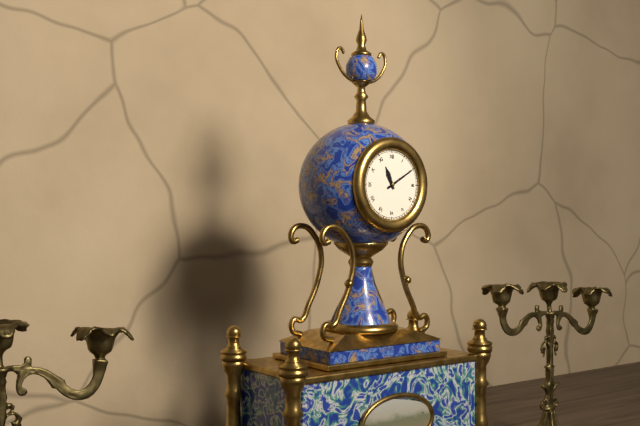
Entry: h=11 m=10
